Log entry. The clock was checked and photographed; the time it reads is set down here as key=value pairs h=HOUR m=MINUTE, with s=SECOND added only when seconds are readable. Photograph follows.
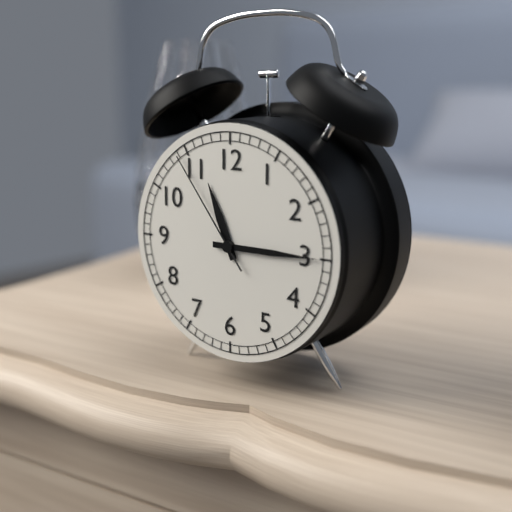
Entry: h=11 m=15 s=54
